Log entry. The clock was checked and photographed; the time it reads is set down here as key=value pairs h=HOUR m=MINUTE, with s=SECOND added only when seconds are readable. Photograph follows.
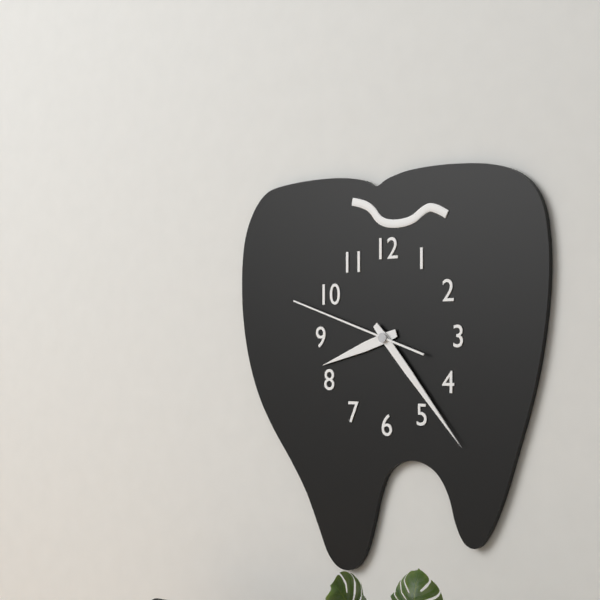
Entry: h=8 m=23 s=48
